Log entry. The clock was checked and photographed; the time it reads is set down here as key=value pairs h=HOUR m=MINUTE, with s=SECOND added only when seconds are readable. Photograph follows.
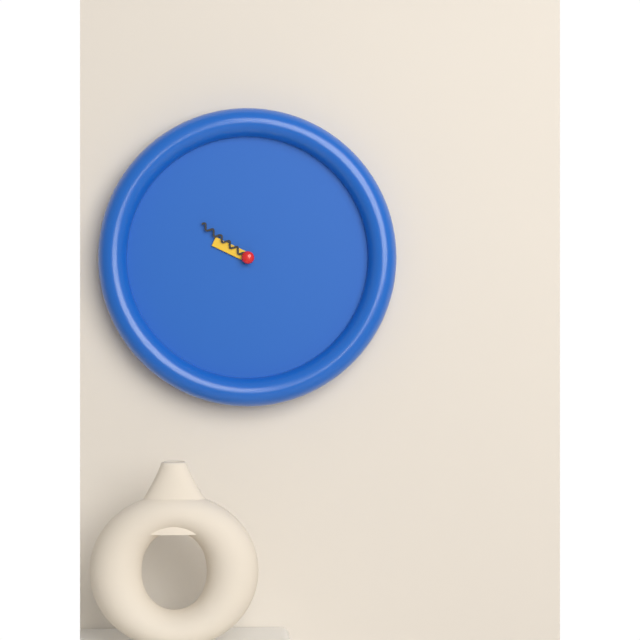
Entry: h=9 m=51
